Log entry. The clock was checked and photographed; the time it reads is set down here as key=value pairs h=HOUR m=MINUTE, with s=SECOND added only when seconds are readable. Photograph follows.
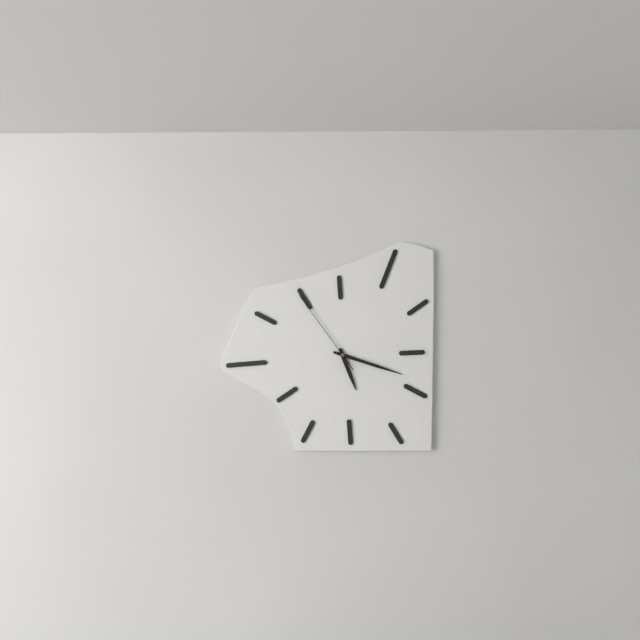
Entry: h=5 m=18 s=54
